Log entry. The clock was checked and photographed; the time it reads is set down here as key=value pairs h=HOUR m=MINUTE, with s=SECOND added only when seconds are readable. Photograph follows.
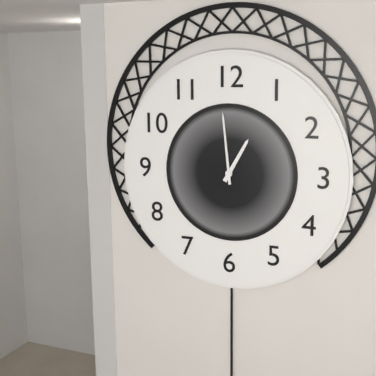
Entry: h=12 m=59
